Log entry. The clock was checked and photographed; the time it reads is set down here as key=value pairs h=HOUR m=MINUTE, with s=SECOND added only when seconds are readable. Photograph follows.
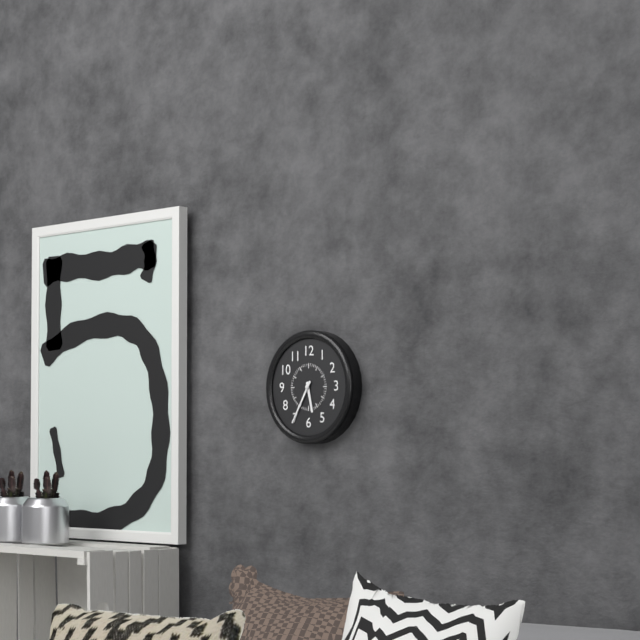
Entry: h=5 m=35
